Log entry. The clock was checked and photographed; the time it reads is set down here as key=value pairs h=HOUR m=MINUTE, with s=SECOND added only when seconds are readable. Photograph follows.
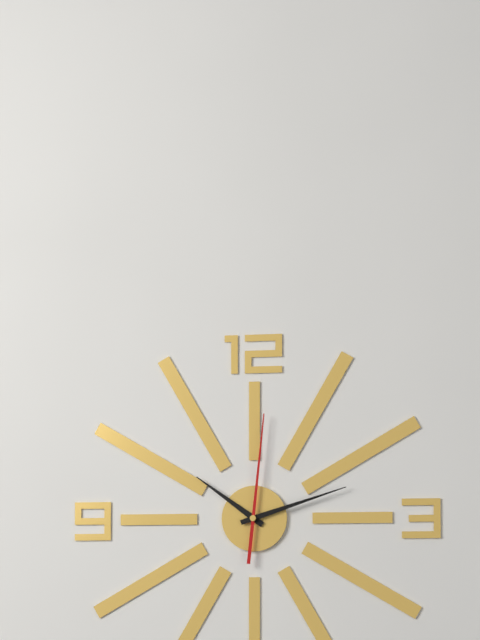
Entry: h=10 m=12 s=1
